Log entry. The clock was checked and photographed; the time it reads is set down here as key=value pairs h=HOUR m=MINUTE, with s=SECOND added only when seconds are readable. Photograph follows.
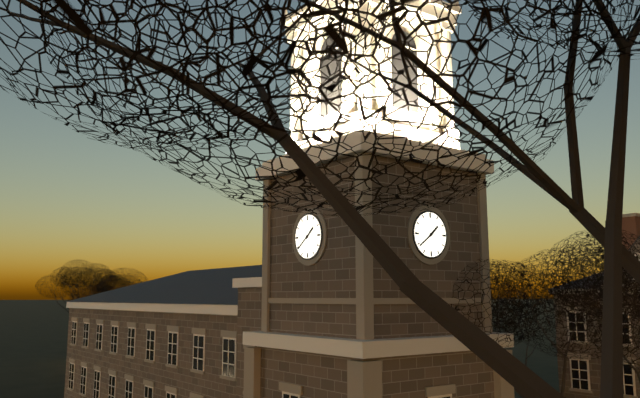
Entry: h=1 m=39
